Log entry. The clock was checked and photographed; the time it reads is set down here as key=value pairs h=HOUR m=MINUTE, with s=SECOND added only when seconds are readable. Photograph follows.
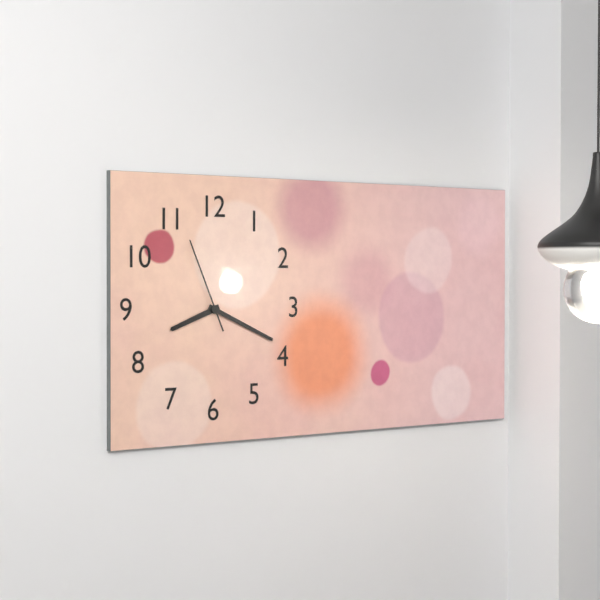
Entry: h=8 m=19 s=56
